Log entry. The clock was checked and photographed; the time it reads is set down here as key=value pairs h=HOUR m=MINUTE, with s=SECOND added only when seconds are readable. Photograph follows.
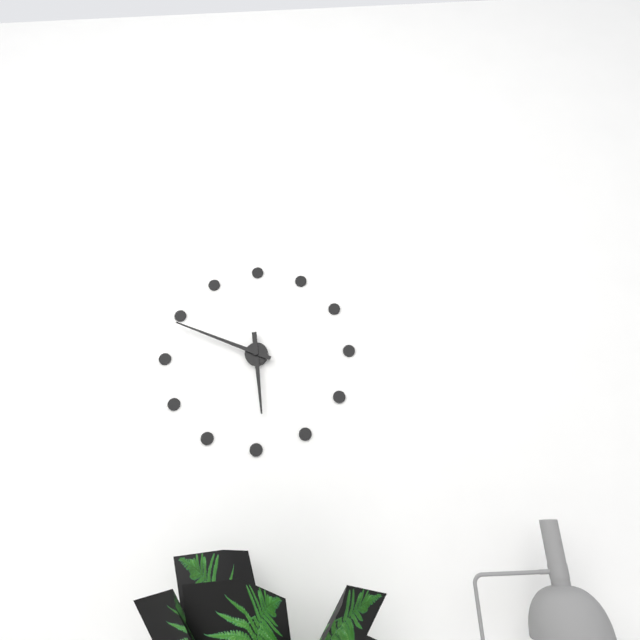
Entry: h=5 m=49
